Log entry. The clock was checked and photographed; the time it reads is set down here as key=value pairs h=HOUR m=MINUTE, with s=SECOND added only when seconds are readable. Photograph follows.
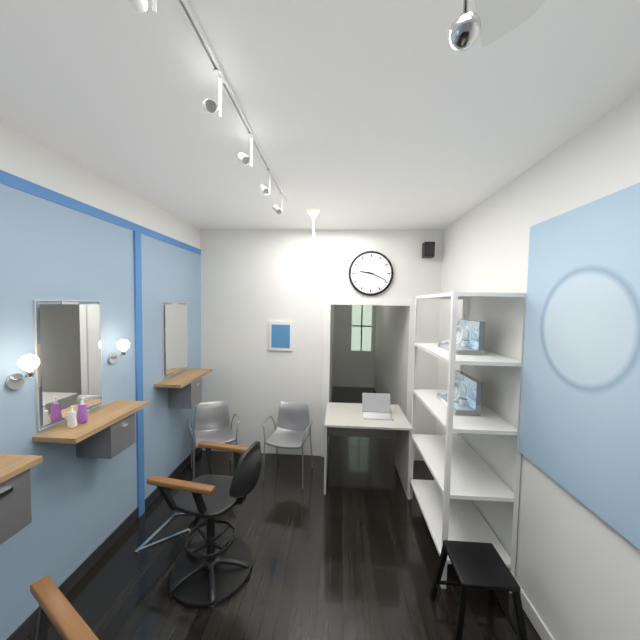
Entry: h=9 m=19
